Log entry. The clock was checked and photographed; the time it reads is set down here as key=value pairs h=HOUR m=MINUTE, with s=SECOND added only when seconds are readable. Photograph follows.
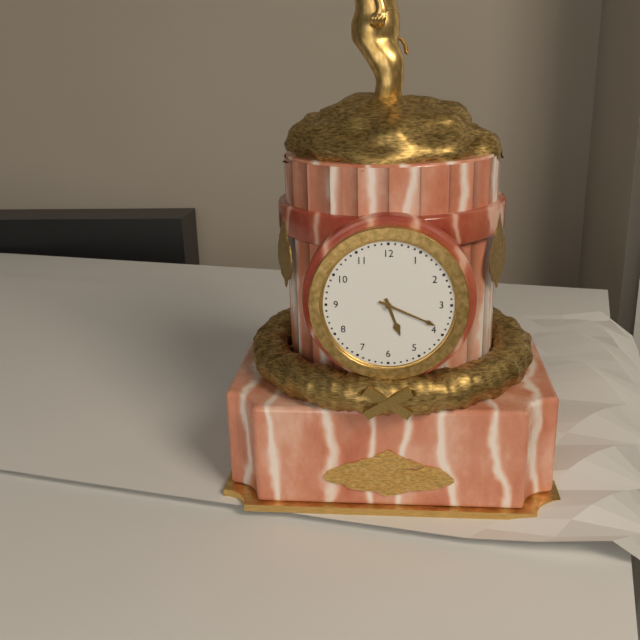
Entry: h=5 m=19
